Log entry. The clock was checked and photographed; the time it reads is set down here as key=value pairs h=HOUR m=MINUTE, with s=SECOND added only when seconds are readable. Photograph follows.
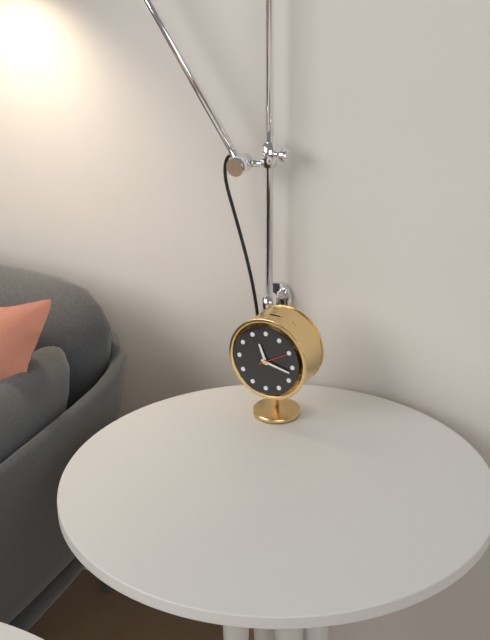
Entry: h=11 m=17
